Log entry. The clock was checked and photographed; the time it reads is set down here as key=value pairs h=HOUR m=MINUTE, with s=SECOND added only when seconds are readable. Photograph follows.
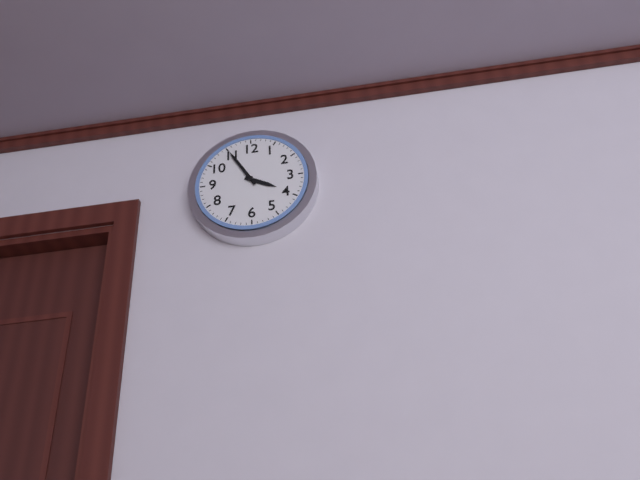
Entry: h=3 m=55
